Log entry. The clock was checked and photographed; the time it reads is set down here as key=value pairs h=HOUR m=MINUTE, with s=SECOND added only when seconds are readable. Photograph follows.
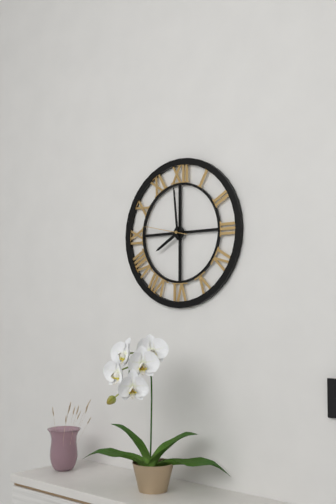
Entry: h=7 m=59
